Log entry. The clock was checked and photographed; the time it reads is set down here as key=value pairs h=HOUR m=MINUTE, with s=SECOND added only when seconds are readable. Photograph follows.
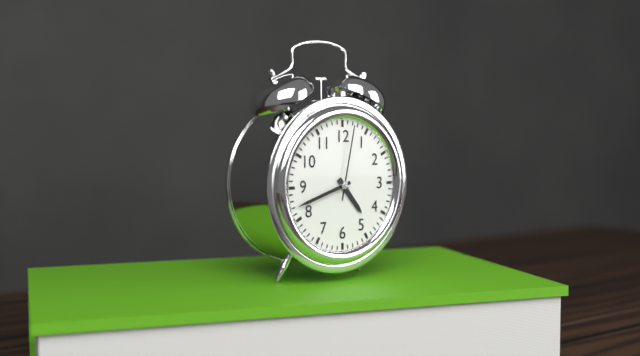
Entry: h=4 m=42 s=2
